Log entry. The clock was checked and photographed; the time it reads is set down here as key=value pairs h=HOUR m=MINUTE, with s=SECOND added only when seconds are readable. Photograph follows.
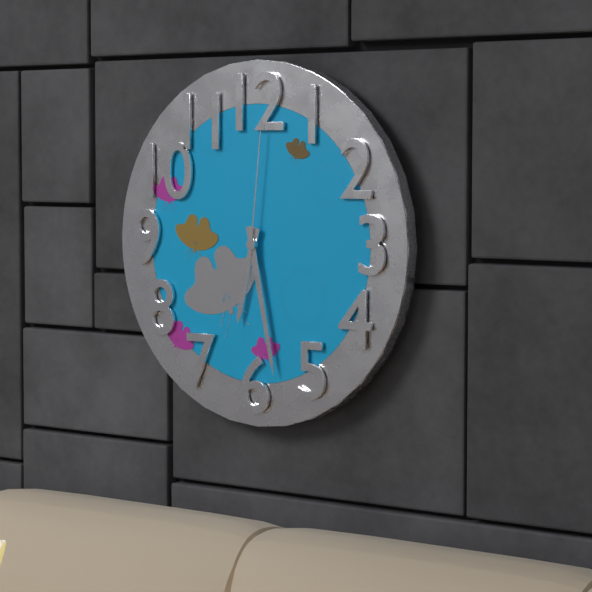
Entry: h=6 m=28 s=1
